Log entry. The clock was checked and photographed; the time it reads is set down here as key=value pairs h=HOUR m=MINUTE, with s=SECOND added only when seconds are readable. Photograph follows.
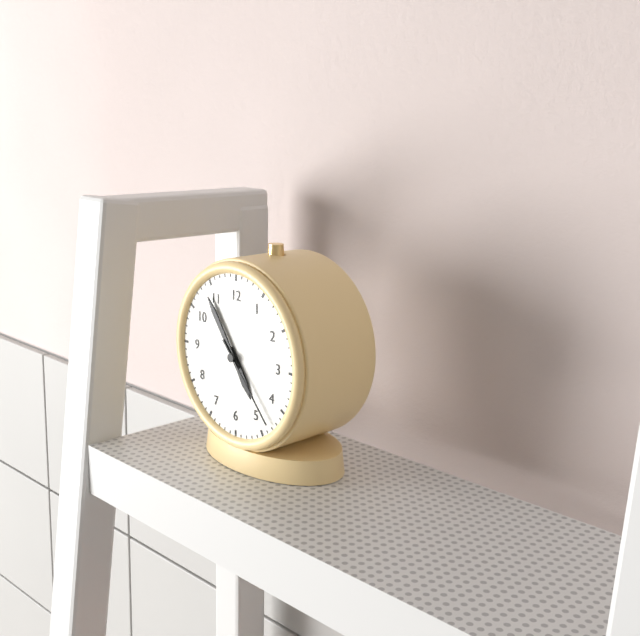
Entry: h=4 m=54 s=23
